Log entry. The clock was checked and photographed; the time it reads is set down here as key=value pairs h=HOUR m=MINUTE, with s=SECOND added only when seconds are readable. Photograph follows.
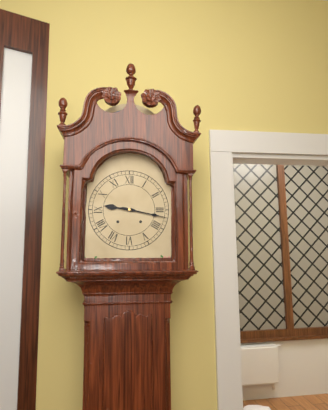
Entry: h=9 m=17
